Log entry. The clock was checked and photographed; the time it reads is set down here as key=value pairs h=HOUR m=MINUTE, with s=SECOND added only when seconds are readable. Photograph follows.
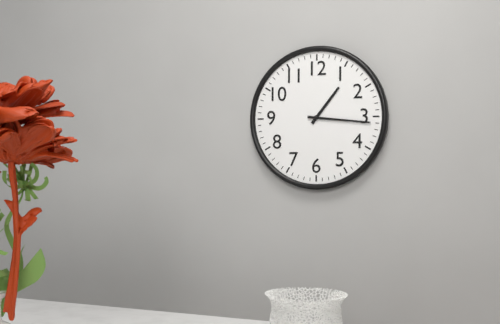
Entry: h=1 m=16
